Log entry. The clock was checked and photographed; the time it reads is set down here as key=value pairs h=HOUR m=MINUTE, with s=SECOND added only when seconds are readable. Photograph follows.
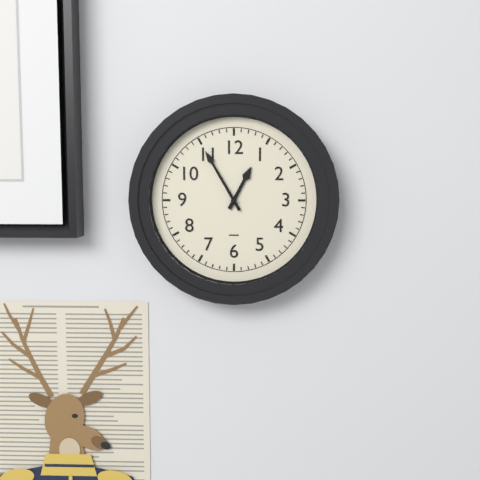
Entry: h=12 m=55
